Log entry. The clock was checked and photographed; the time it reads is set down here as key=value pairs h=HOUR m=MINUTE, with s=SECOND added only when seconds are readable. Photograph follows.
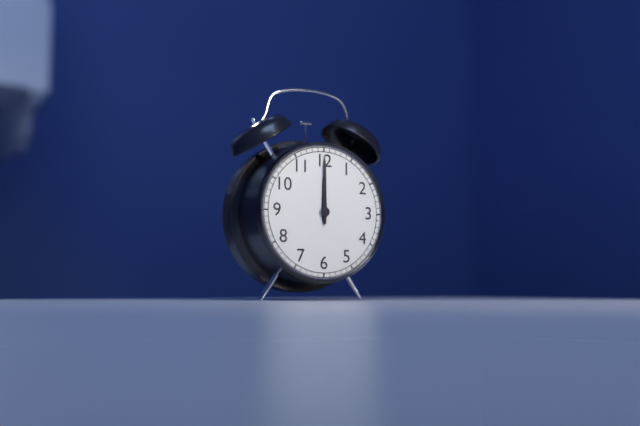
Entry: h=12 m=0
